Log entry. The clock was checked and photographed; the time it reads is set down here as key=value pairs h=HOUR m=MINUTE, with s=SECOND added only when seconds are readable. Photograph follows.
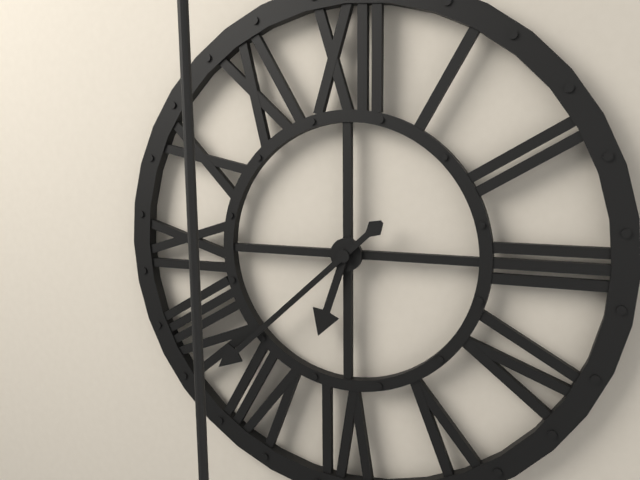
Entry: h=6 m=38
